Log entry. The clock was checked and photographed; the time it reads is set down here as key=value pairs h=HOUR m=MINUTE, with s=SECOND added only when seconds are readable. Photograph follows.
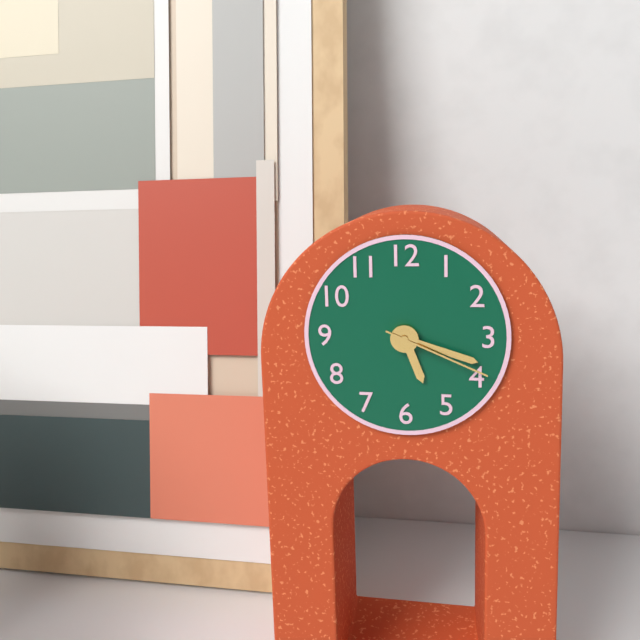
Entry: h=5 m=18 s=19
